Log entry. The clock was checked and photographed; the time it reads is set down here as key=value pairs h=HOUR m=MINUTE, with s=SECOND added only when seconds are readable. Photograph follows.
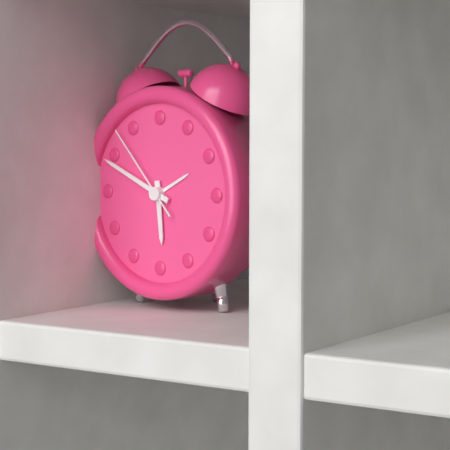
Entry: h=5 m=49 s=53
